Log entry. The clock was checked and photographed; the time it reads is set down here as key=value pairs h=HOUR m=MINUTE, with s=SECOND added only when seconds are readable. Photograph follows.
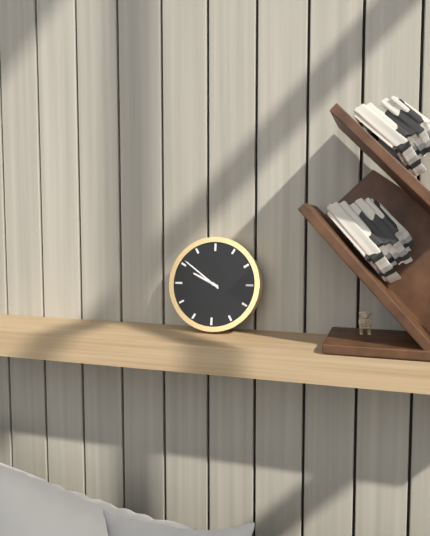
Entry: h=9 m=51
